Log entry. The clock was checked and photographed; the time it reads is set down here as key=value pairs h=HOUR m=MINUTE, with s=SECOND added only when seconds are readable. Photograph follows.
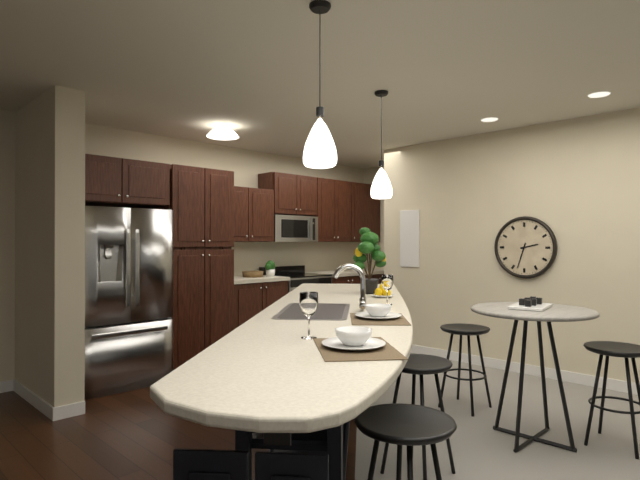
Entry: h=2 m=33
